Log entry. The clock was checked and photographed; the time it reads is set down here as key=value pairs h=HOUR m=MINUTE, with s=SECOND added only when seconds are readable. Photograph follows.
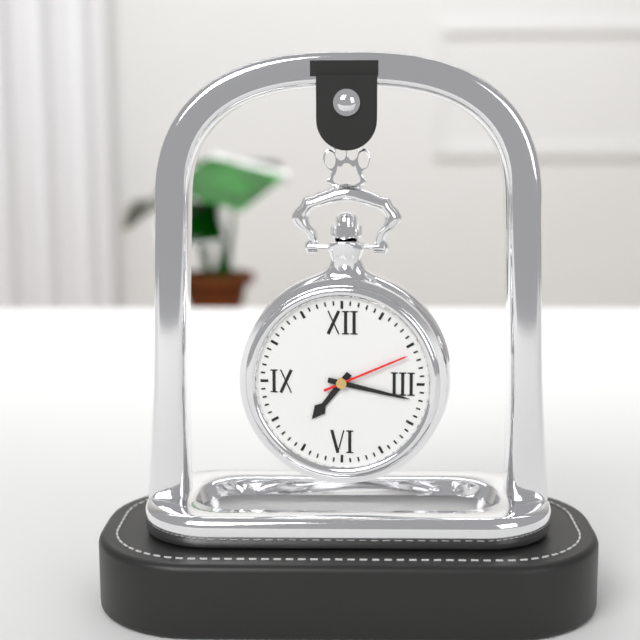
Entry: h=7 m=17 s=11
